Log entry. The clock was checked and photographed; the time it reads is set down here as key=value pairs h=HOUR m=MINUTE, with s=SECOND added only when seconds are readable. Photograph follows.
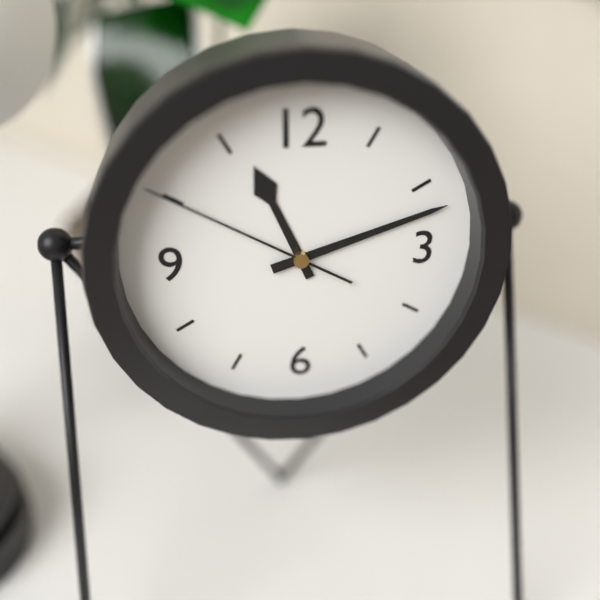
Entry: h=11 m=12 s=50
